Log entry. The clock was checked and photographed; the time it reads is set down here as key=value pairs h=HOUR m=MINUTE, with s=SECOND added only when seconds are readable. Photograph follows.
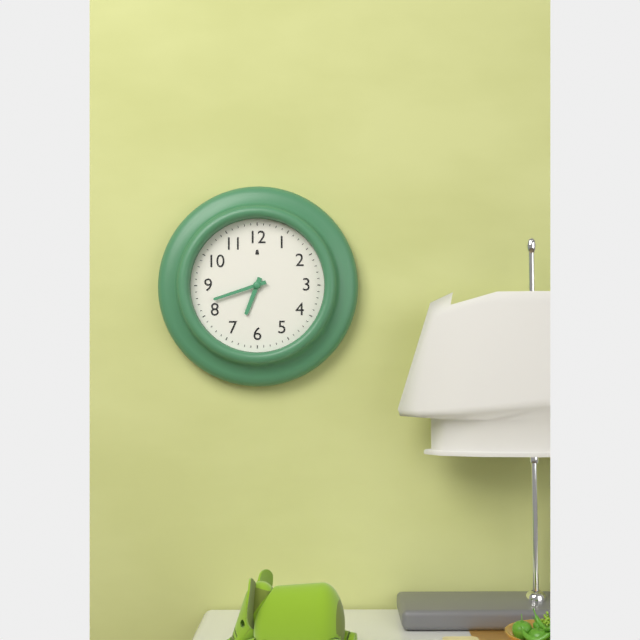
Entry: h=6 m=42
